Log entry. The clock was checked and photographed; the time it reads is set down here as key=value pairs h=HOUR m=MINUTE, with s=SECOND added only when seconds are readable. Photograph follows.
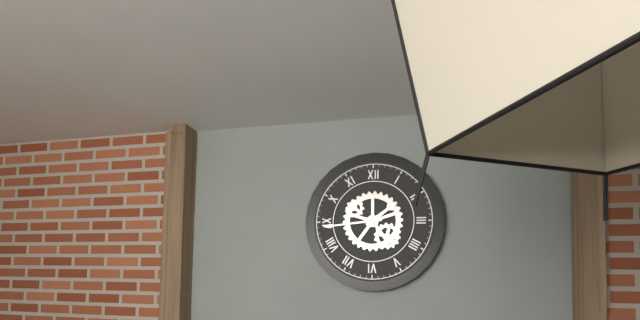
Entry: h=1 m=44
